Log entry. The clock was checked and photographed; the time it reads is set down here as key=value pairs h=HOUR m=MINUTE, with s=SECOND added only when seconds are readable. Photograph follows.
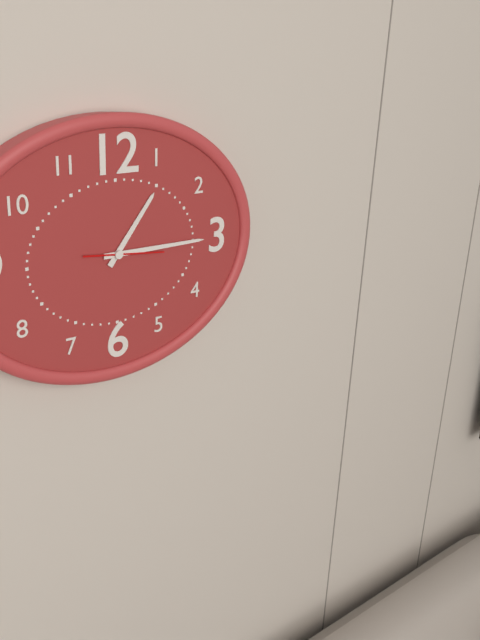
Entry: h=1 m=15 s=16
